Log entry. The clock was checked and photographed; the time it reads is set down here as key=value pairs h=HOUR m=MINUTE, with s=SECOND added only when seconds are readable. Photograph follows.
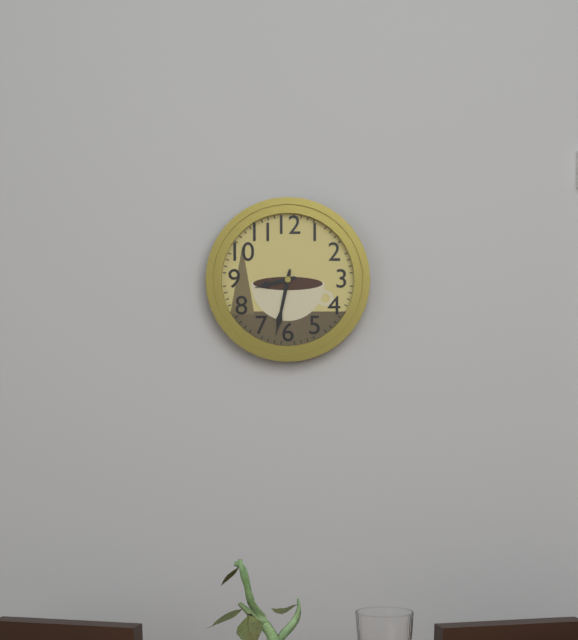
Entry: h=8 m=32
